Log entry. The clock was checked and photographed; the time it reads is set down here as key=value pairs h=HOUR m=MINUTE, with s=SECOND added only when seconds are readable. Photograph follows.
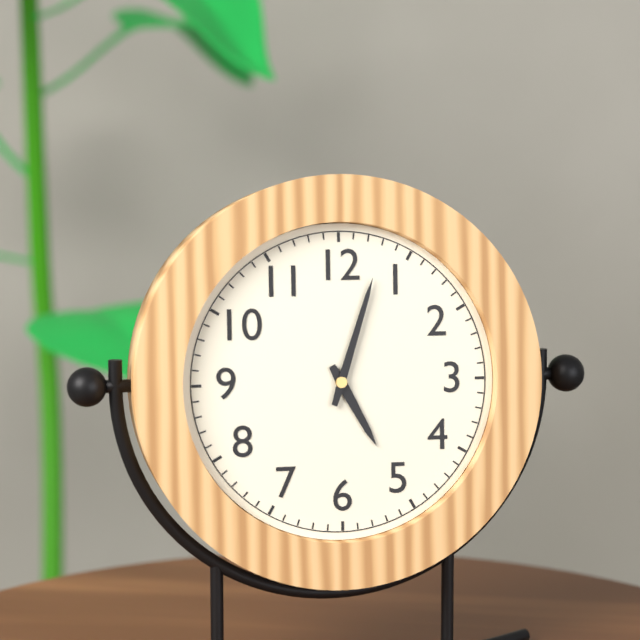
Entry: h=5 m=3
